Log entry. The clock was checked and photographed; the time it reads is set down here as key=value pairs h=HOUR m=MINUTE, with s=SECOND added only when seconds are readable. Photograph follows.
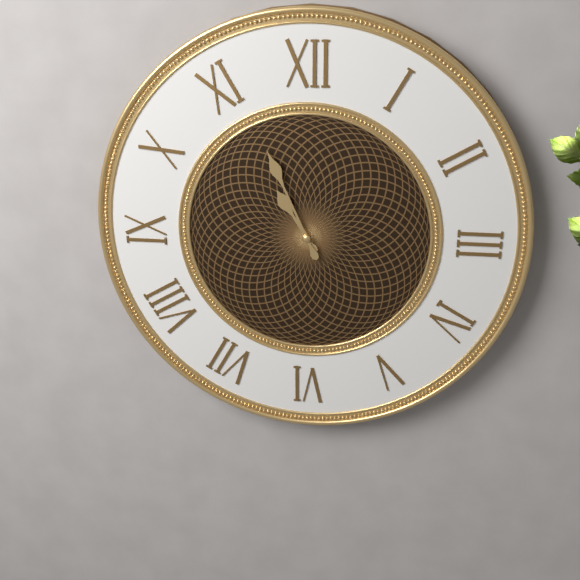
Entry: h=10 m=56
